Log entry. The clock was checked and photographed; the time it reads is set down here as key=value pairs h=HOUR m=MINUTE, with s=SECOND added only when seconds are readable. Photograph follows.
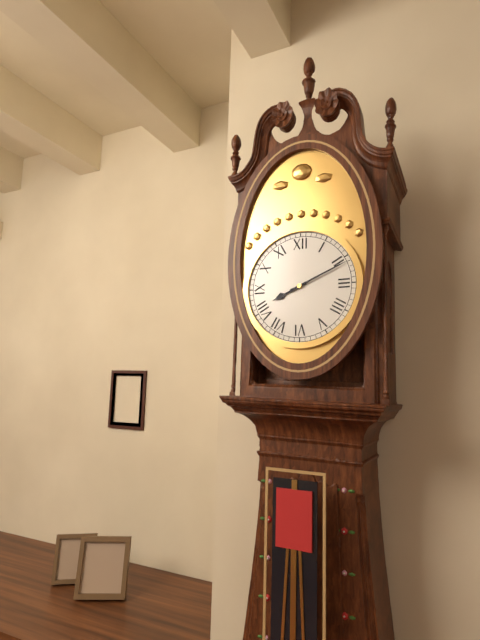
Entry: h=8 m=11
